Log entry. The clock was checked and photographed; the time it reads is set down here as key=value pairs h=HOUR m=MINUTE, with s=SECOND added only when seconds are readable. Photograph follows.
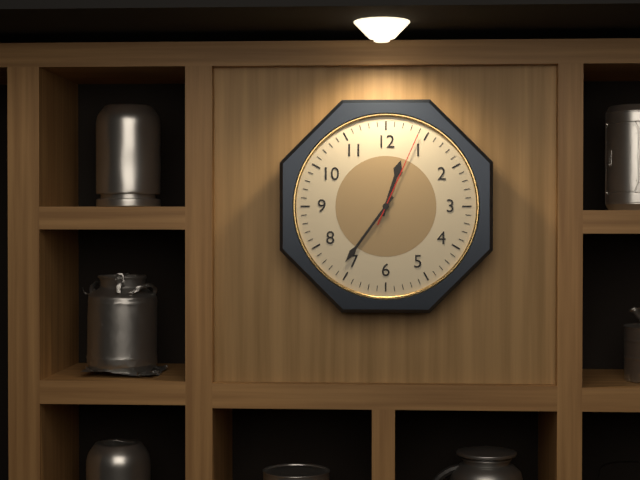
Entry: h=12 m=36 s=4
